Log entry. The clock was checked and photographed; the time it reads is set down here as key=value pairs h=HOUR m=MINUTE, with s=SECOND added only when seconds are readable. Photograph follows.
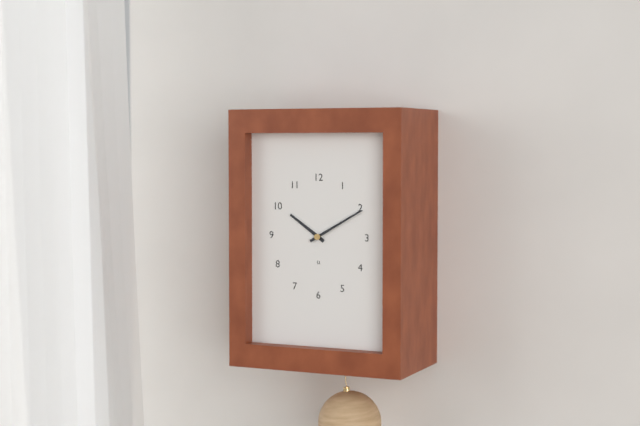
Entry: h=10 m=10
